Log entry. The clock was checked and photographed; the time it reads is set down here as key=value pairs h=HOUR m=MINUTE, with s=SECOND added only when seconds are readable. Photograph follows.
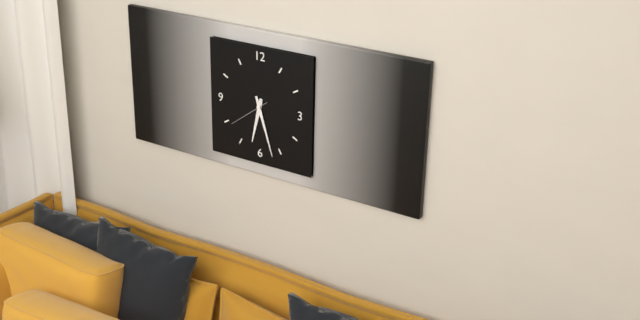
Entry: h=6 m=27
